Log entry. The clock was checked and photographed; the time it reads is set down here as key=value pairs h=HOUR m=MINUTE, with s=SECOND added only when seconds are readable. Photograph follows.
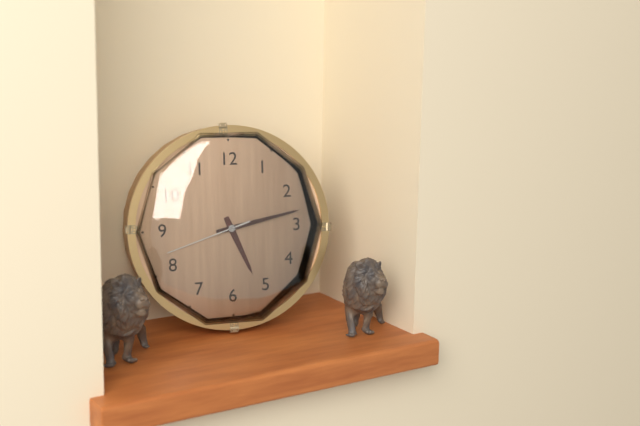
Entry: h=5 m=13 s=42
